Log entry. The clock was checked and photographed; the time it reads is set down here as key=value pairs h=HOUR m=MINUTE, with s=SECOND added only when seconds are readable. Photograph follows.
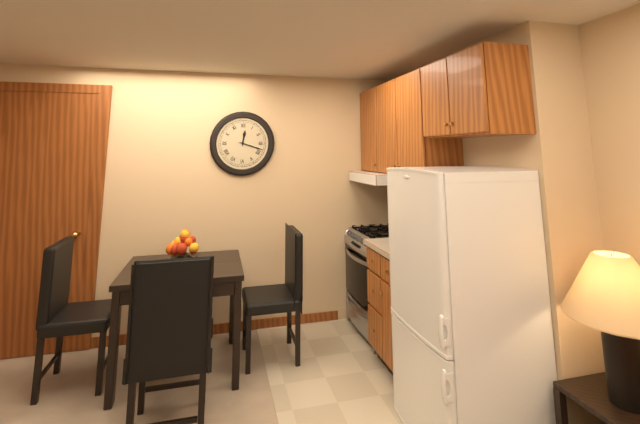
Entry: h=12 m=18
